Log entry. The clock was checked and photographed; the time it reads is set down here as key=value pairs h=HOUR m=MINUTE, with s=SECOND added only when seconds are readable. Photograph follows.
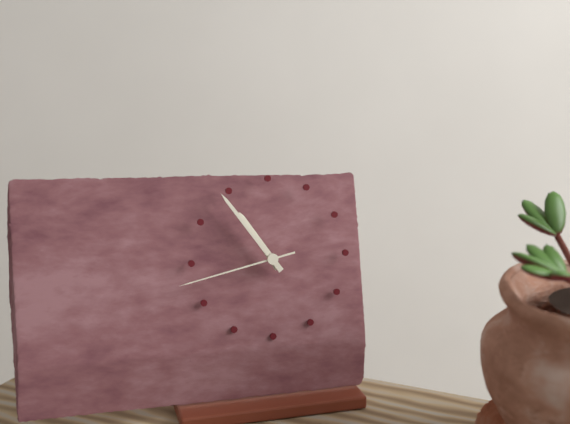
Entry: h=10 m=54 s=43
